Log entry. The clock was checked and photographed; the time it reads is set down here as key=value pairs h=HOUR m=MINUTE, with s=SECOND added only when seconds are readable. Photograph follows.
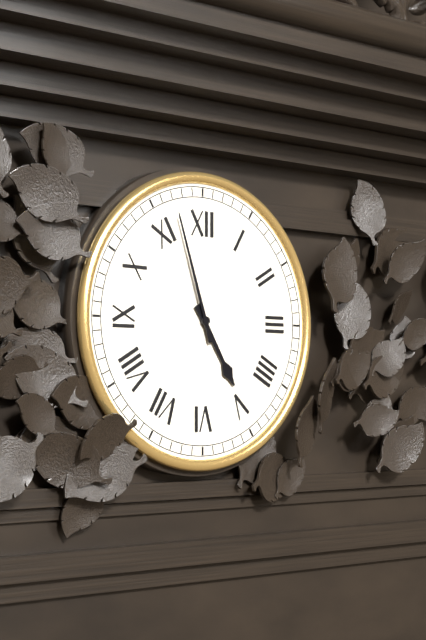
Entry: h=4 m=57
